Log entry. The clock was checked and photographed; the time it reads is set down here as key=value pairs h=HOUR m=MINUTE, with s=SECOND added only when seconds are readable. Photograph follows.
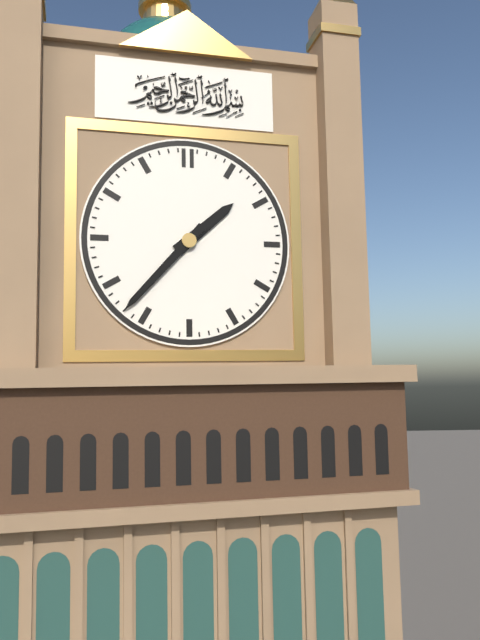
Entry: h=1 m=37
